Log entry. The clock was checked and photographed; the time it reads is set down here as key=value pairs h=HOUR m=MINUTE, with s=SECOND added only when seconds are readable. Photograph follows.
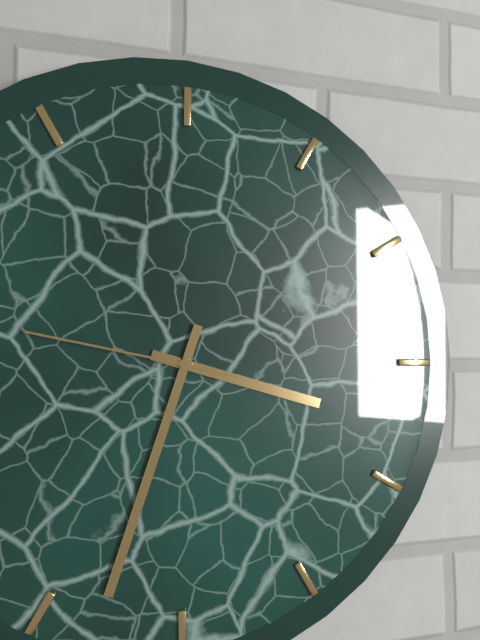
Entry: h=3 m=33 s=47
